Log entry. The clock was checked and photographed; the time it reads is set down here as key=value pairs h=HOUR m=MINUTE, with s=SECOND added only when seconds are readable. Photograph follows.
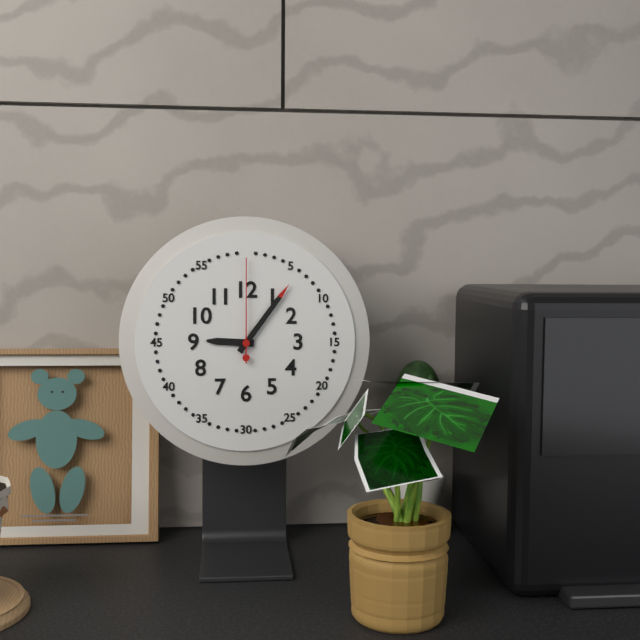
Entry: h=9 m=6 s=0
